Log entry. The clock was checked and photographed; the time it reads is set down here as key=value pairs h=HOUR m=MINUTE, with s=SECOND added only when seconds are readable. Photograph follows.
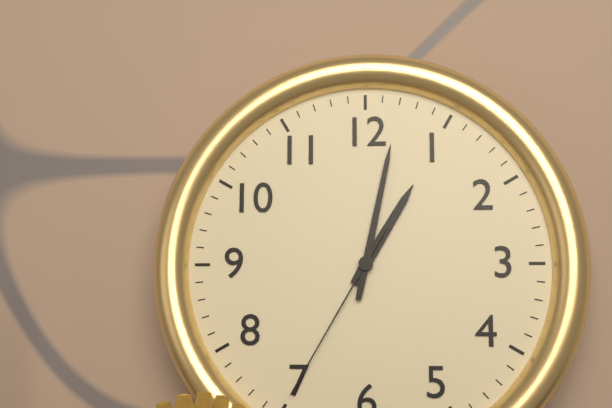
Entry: h=1 m=2 s=35
